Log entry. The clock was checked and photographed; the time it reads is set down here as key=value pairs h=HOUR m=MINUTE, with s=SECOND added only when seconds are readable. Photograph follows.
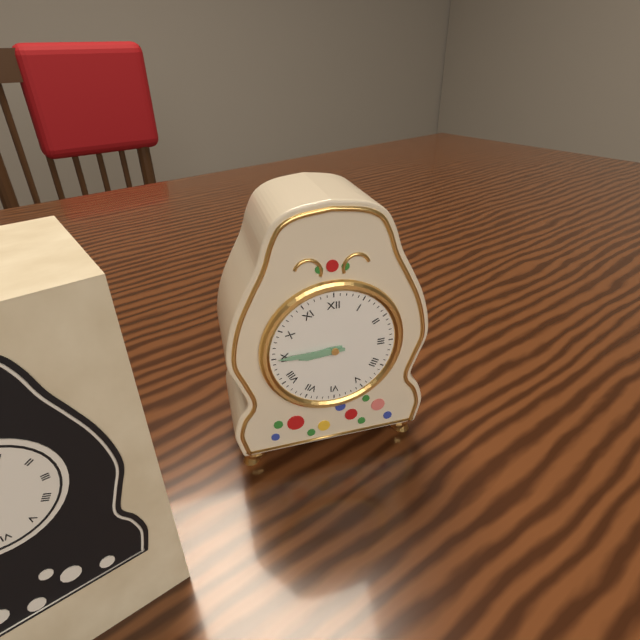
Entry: h=8 m=45
